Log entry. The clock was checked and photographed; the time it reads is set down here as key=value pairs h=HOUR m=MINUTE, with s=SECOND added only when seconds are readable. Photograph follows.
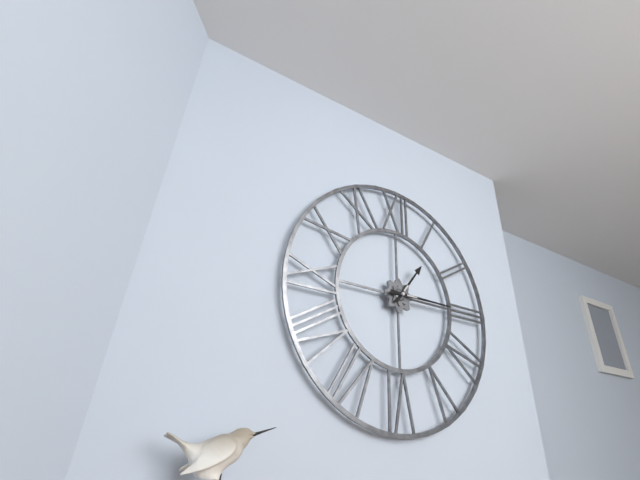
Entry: h=1 m=15
